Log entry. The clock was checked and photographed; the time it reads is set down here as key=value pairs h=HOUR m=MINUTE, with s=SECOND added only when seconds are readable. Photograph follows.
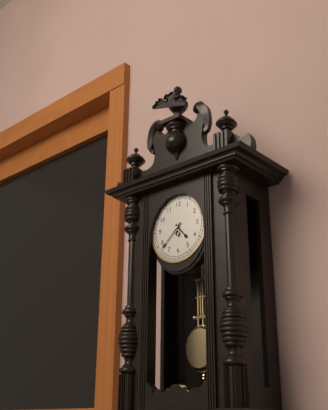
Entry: h=4 m=38
